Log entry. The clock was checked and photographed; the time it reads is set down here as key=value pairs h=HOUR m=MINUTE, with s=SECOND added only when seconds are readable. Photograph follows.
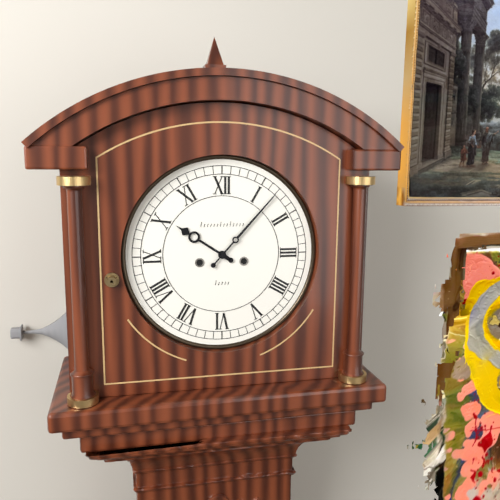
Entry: h=10 m=7
